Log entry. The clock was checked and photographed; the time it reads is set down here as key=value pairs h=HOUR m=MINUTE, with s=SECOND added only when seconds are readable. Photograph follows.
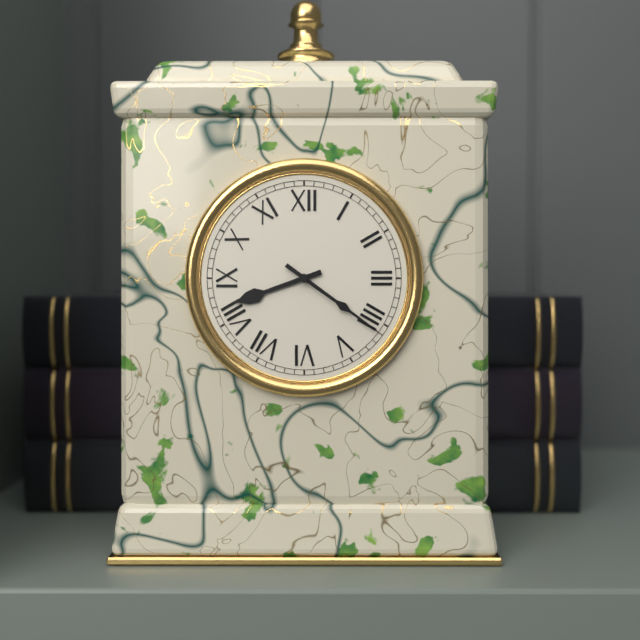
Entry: h=8 m=21
